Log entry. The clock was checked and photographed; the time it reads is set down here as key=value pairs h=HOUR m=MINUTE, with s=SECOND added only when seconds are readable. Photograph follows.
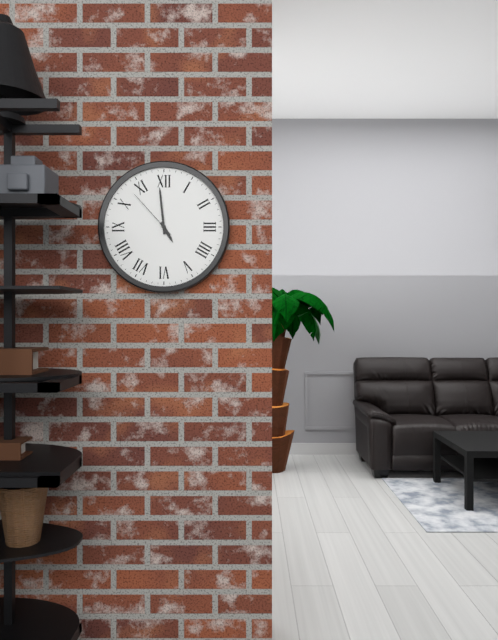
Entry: h=4 m=59 s=53
